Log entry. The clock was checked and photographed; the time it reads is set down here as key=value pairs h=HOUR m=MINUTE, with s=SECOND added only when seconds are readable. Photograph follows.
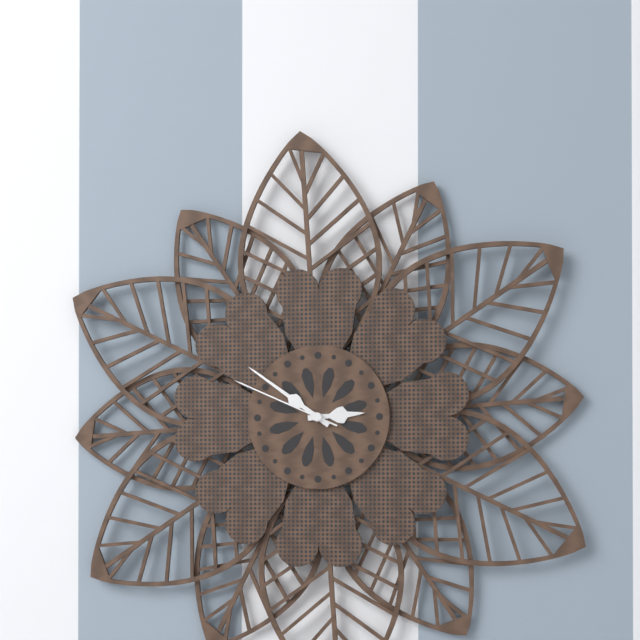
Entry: h=2 m=51 s=49
